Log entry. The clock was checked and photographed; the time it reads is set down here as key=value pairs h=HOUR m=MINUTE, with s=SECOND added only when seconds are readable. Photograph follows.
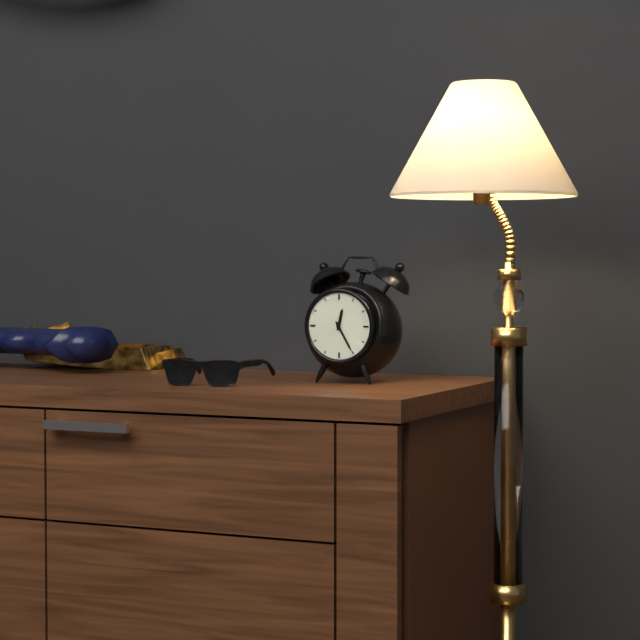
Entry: h=12 m=25
